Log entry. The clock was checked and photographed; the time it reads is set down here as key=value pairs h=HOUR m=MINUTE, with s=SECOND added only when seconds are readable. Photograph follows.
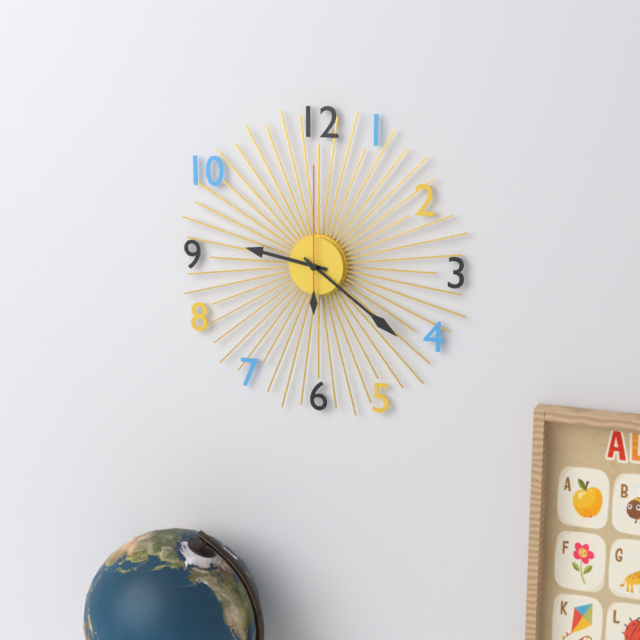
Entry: h=9 m=21 s=0
